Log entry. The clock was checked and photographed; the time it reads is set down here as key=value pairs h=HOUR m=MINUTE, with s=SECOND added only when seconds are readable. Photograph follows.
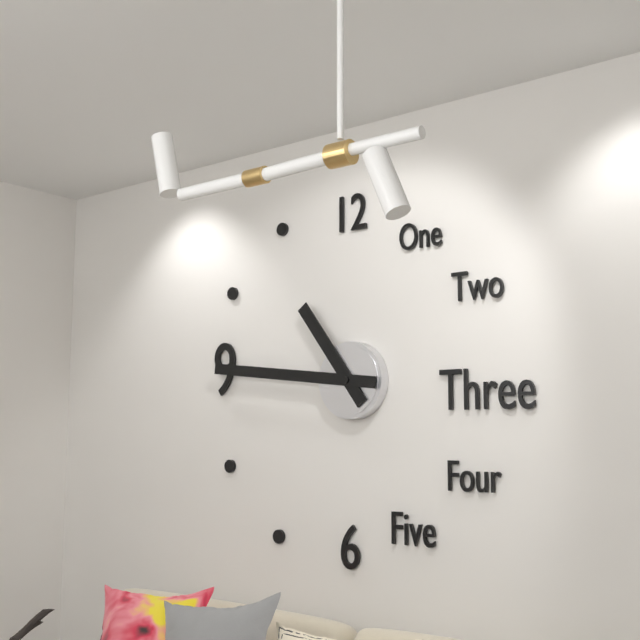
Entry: h=10 m=46
